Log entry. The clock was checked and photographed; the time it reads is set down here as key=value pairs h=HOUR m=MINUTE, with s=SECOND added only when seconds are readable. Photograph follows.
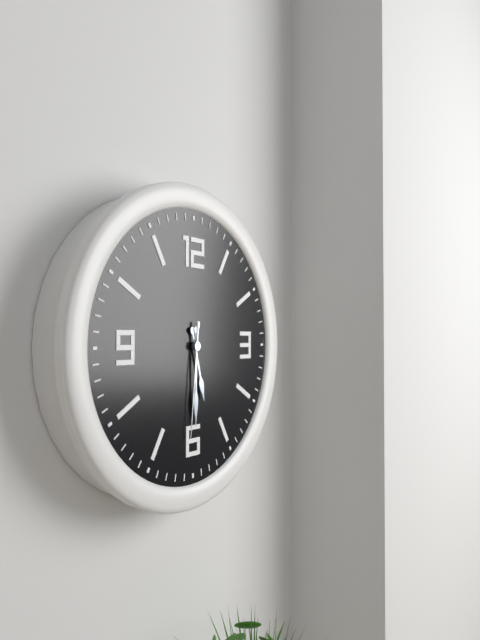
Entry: h=5 m=30 s=31
